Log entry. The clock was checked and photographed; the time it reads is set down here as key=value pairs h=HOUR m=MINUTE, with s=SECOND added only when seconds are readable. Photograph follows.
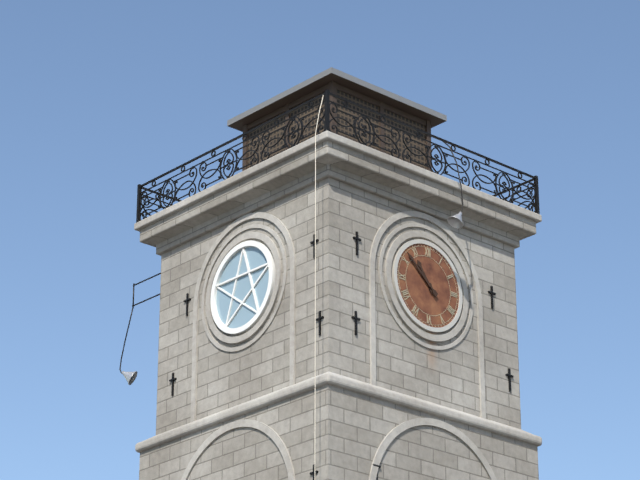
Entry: h=10 m=52
